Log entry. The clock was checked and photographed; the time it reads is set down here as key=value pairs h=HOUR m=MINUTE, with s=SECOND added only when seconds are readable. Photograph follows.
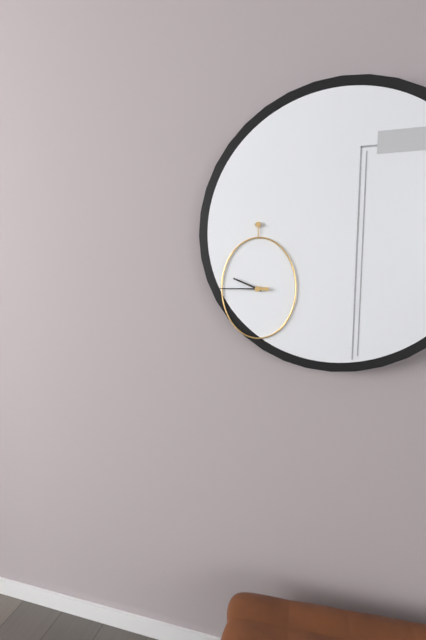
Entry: h=9 m=45
